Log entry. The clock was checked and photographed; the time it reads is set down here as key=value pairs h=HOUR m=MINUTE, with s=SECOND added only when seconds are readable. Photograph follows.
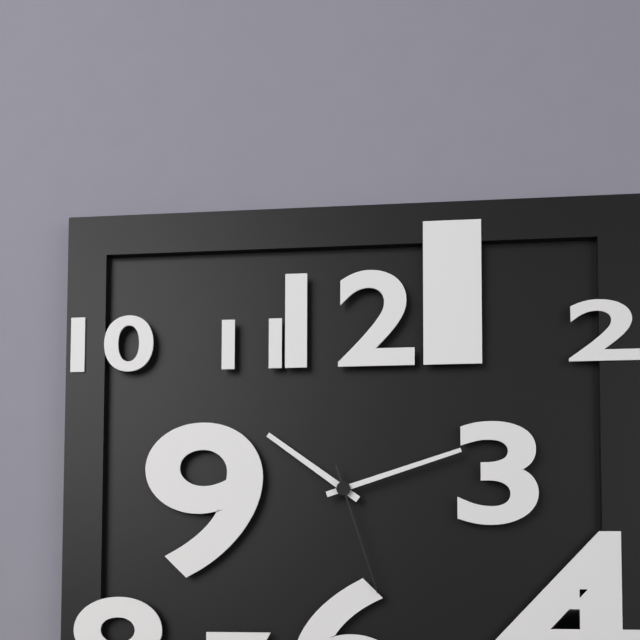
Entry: h=10 m=12 s=27
